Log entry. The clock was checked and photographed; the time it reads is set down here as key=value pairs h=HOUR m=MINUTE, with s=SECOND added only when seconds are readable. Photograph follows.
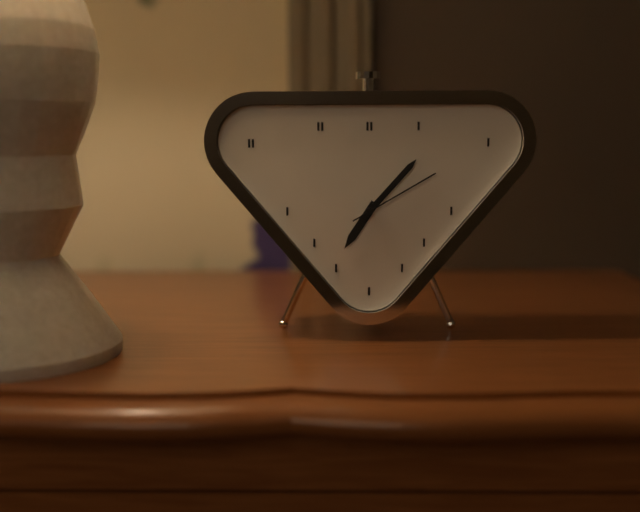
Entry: h=7 m=7 s=10
